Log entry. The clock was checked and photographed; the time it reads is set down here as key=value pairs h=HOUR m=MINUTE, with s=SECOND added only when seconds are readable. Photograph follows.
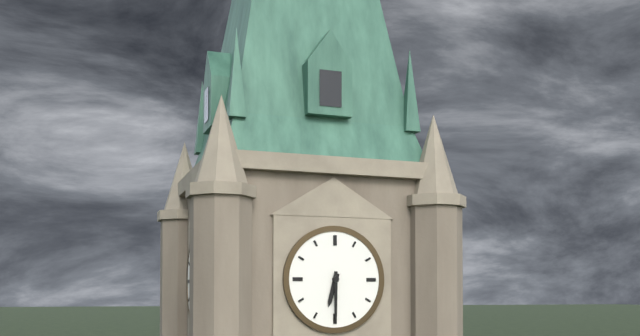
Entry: h=6 m=30
